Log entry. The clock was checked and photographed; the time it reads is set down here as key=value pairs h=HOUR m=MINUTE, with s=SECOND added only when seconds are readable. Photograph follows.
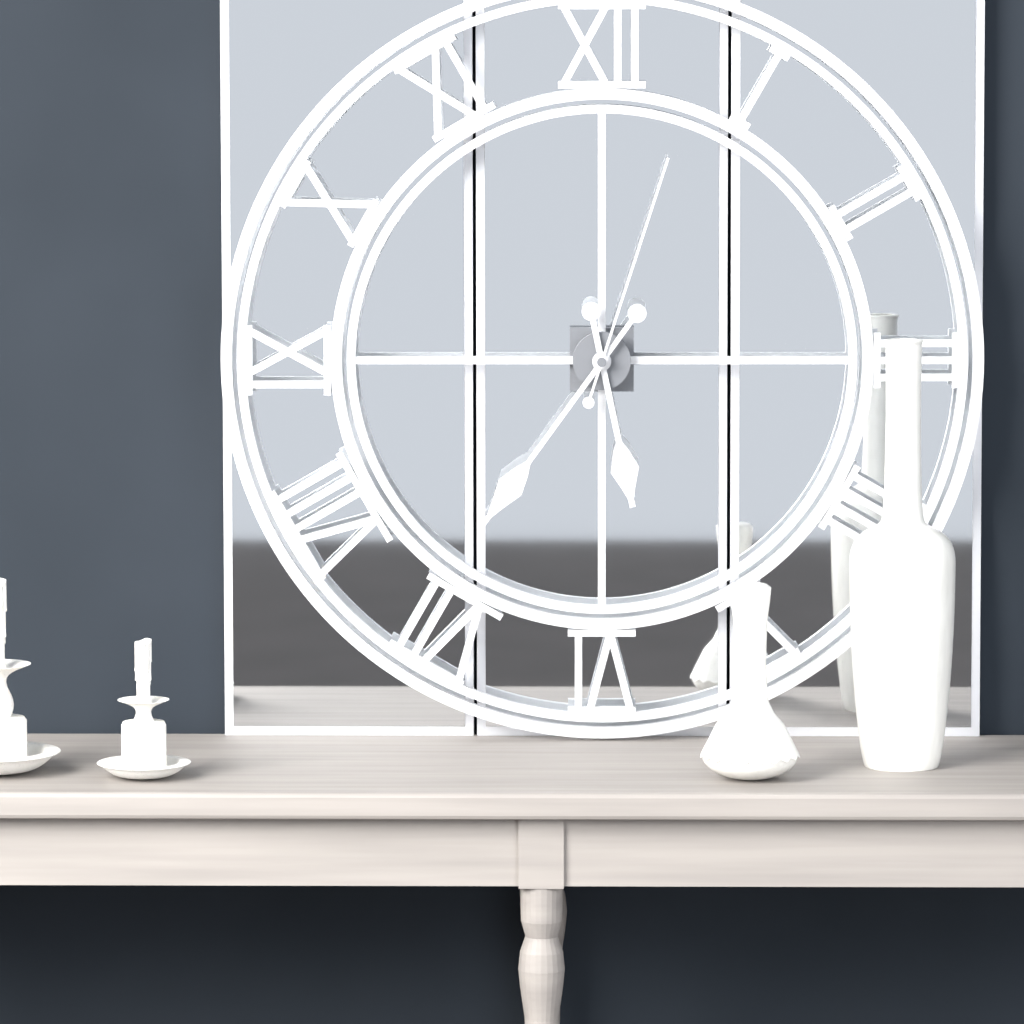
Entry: h=5 m=36 s=3
